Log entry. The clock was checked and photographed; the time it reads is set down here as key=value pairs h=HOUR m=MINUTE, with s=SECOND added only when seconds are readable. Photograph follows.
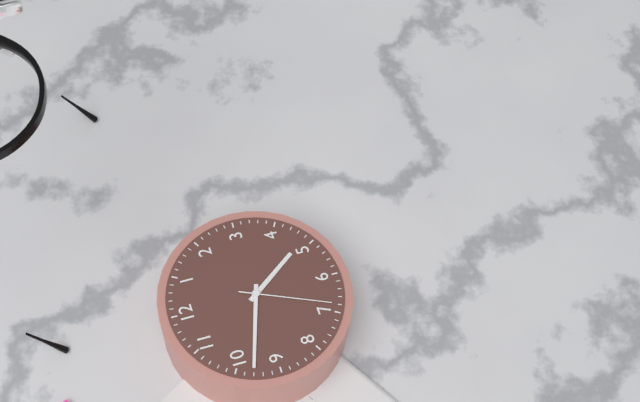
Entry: h=4 m=48 s=34
